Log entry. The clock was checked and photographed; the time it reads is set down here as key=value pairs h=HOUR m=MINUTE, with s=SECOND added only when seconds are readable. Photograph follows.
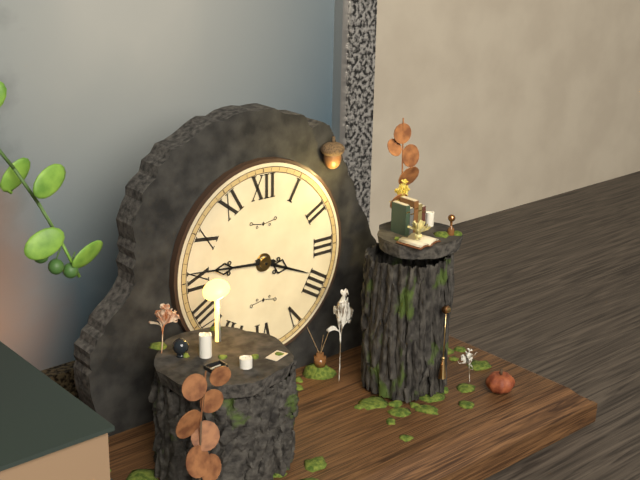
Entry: h=3 m=46
